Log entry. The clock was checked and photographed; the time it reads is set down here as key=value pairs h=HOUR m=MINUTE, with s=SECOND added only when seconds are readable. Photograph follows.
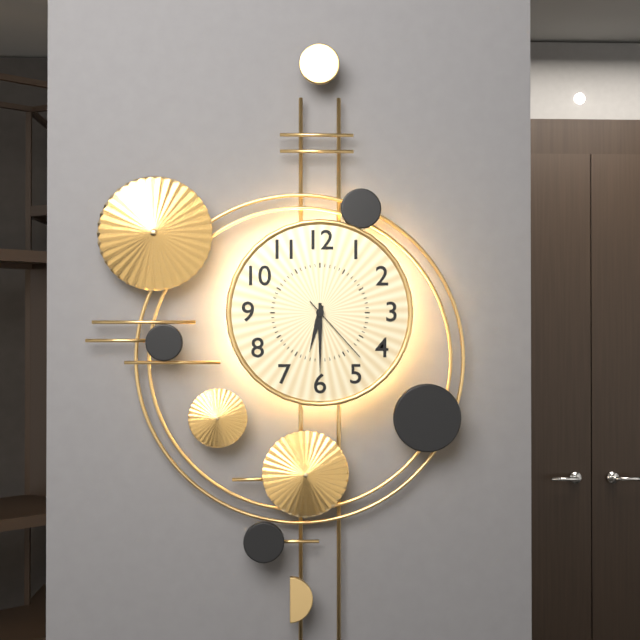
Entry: h=6 m=30 s=23
